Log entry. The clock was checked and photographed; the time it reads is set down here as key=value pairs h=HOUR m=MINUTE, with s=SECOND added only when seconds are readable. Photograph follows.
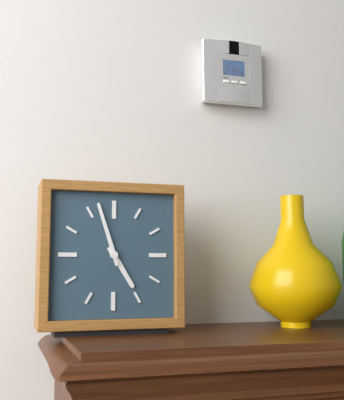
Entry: h=4 m=57
